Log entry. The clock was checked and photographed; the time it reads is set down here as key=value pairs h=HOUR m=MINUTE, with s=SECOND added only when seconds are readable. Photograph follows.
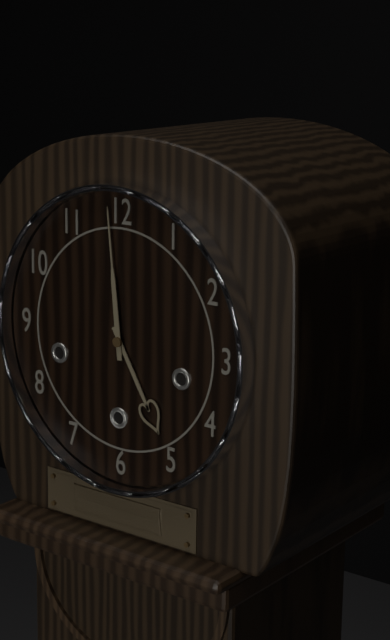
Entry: h=4 m=59
